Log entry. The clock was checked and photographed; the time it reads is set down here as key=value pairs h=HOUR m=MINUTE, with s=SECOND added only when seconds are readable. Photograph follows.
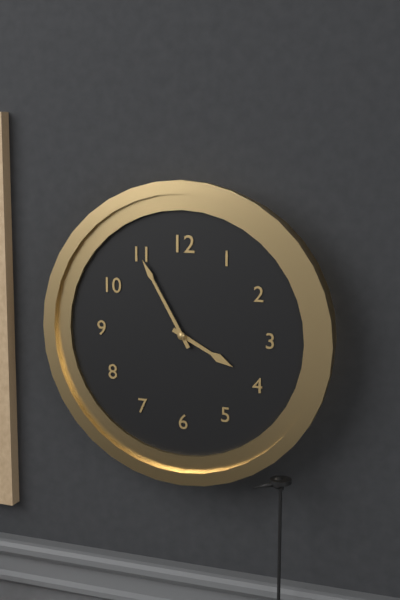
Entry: h=3 m=55
